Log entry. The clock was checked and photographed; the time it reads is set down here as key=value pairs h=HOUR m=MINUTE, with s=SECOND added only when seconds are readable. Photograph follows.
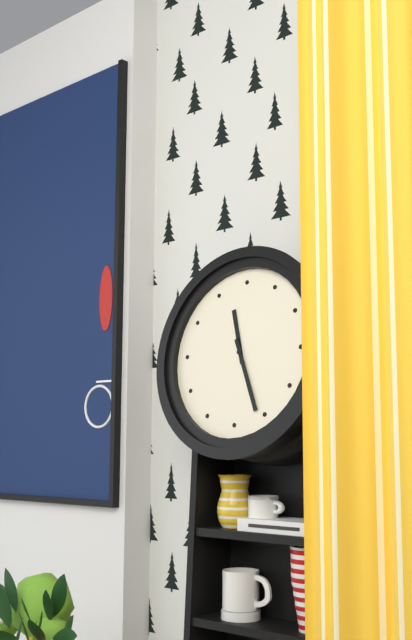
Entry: h=11 m=26
